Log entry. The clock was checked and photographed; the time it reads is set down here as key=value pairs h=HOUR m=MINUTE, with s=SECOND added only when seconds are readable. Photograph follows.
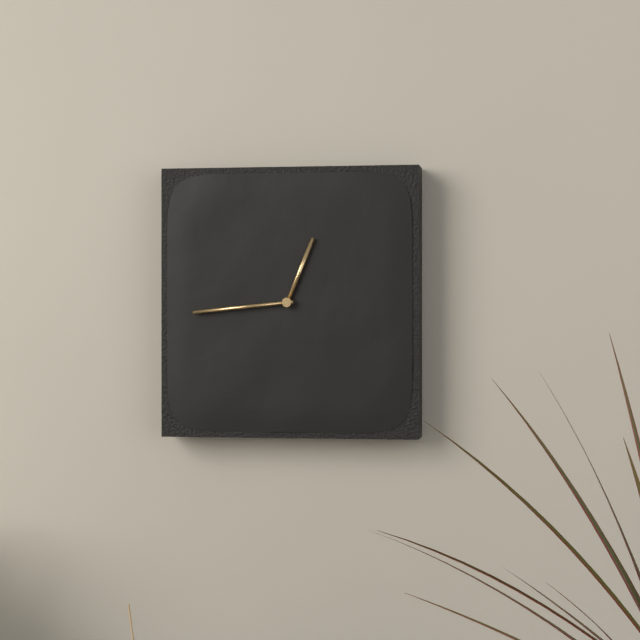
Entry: h=12 m=44
